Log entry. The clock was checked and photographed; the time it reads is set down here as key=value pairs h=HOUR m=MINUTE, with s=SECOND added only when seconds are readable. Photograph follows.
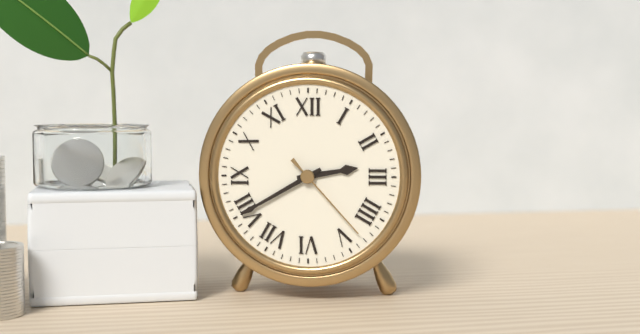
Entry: h=2 m=40 s=23
